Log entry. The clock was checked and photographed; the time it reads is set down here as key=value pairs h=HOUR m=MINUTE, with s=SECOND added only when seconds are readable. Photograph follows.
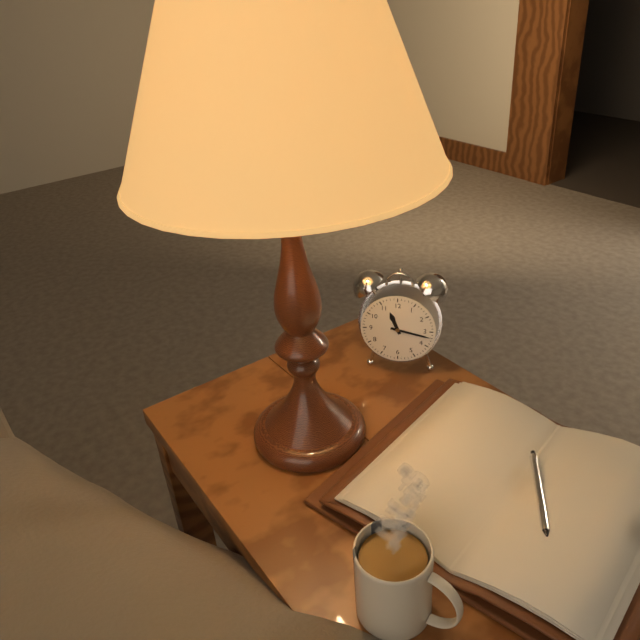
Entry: h=11 m=17
